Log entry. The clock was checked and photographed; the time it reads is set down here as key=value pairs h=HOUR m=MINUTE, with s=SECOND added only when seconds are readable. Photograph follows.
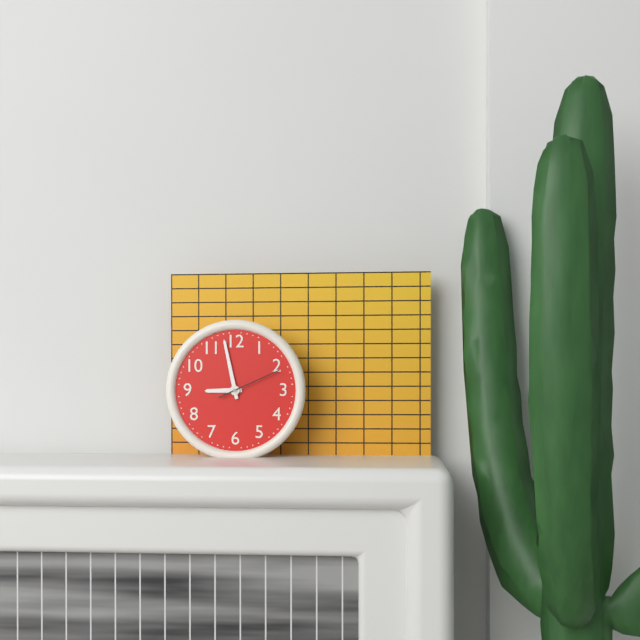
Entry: h=8 m=58 s=11
